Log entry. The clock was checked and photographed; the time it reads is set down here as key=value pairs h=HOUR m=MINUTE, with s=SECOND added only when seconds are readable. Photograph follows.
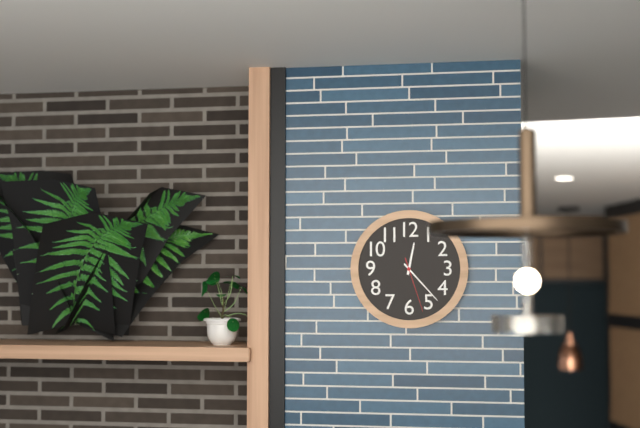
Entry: h=12 m=23 s=27
